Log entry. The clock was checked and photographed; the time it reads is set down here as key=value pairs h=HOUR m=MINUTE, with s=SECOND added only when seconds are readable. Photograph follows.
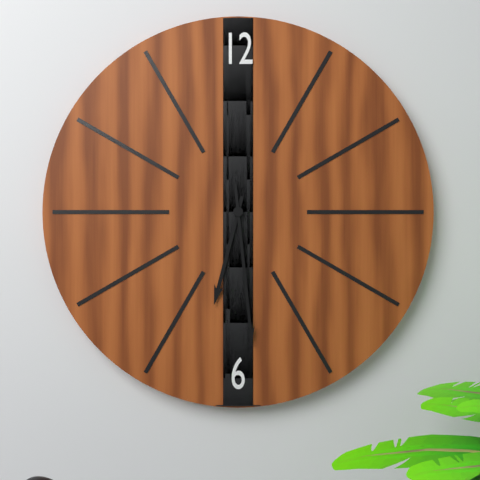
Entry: h=6 m=29
